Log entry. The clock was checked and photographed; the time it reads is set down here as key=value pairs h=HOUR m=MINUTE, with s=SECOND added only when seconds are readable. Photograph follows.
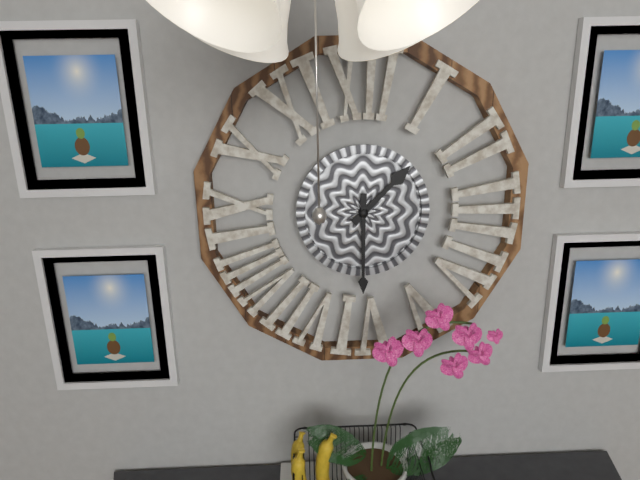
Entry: h=1 m=30
